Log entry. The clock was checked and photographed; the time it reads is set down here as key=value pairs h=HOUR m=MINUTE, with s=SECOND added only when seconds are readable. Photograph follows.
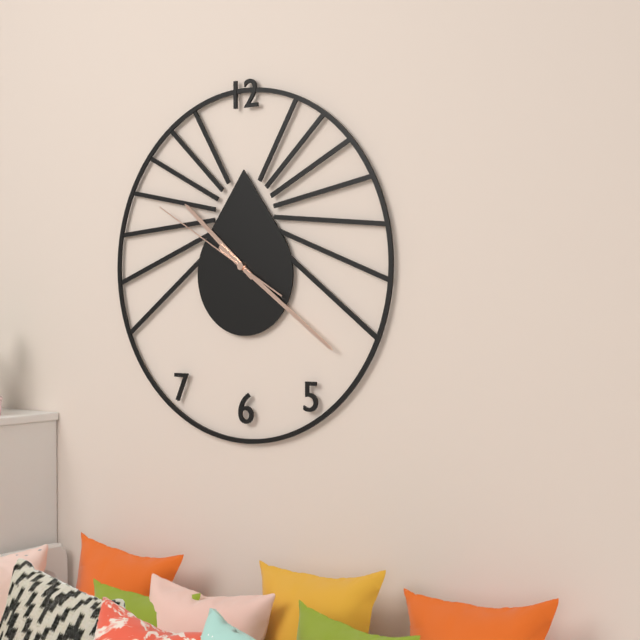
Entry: h=10 m=21 s=50
